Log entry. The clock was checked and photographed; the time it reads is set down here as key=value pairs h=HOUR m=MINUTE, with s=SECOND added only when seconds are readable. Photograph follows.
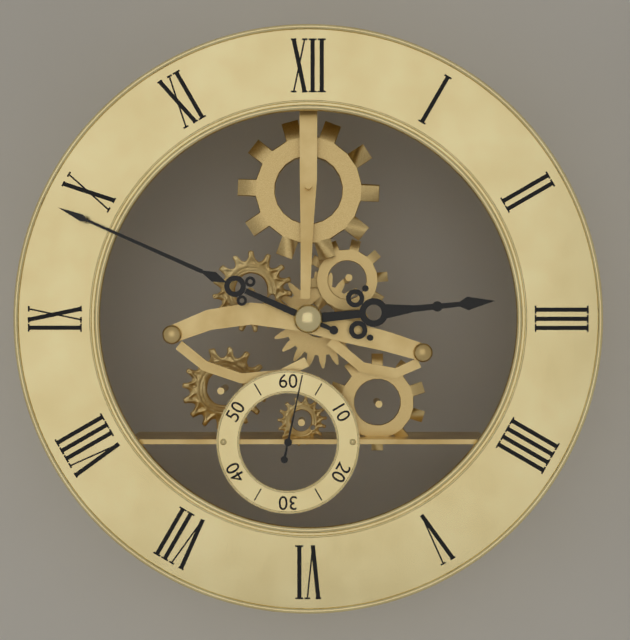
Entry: h=2 m=49 s=2
